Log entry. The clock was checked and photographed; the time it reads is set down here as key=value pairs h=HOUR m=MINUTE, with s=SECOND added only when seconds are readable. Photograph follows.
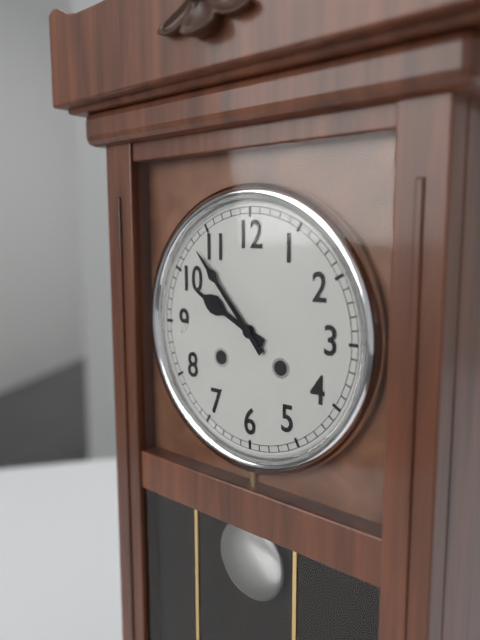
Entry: h=9 m=53
